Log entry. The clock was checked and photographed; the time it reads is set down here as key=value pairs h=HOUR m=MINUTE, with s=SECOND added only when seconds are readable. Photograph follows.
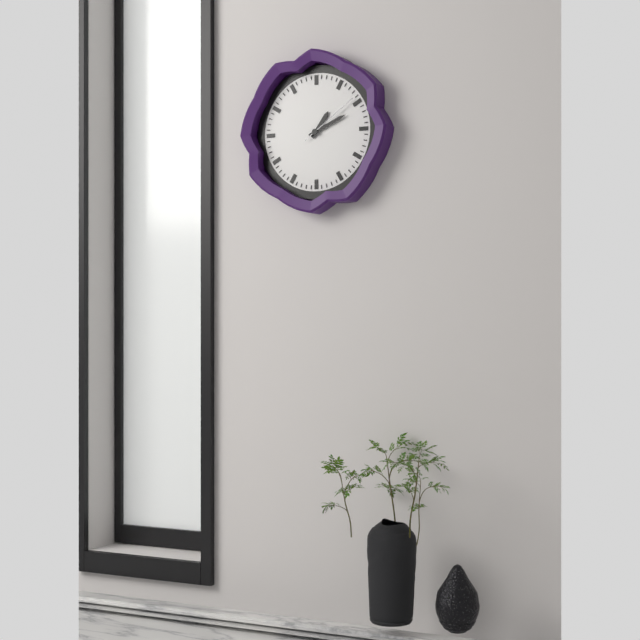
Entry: h=1 m=11 s=9
